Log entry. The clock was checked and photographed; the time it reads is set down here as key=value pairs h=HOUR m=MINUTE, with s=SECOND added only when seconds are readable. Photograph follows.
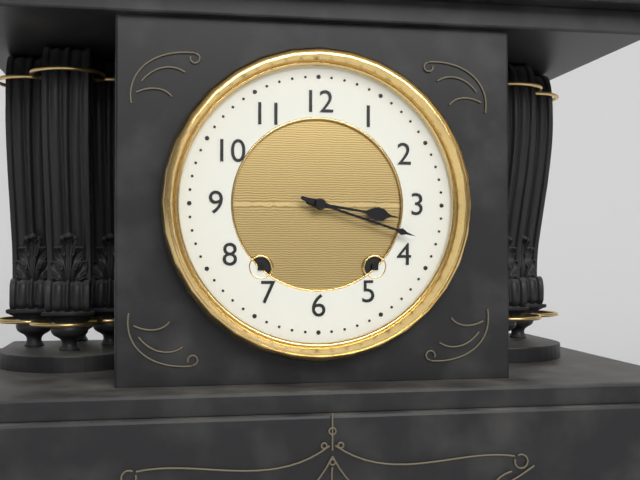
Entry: h=3 m=18
